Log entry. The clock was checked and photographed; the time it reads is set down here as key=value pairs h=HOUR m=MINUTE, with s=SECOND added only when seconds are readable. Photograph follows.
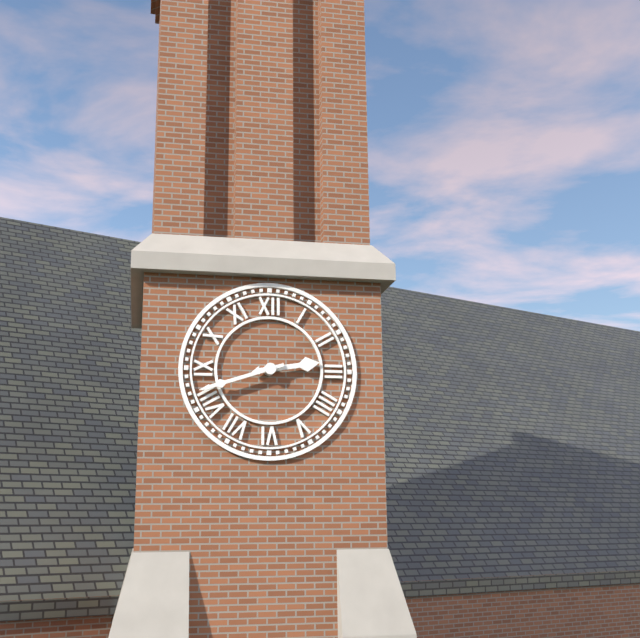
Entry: h=2 m=42
